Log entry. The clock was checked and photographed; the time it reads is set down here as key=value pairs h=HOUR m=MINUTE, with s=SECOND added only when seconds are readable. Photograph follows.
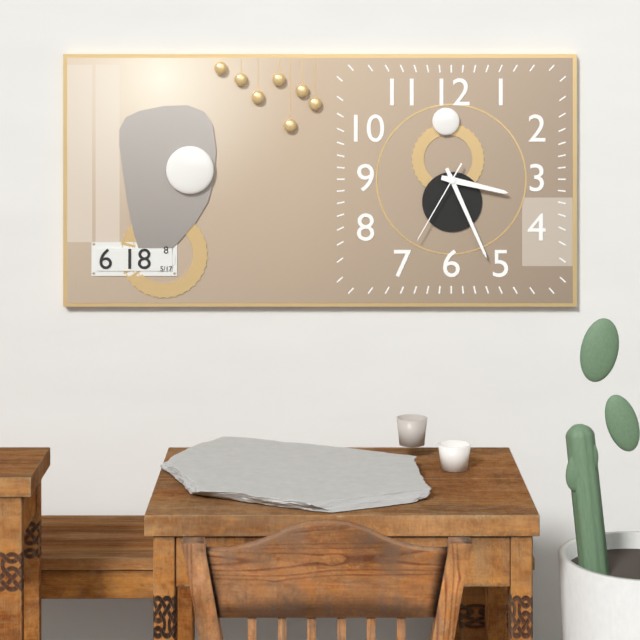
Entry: h=3 m=26 s=35
